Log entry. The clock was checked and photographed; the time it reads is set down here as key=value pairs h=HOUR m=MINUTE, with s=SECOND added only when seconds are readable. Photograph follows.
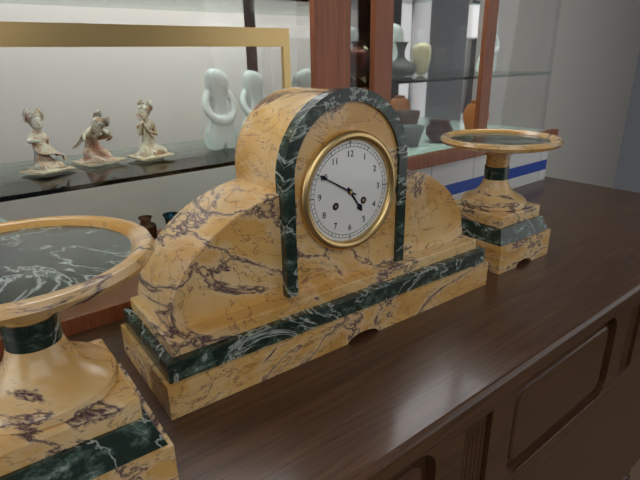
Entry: h=4 m=50
